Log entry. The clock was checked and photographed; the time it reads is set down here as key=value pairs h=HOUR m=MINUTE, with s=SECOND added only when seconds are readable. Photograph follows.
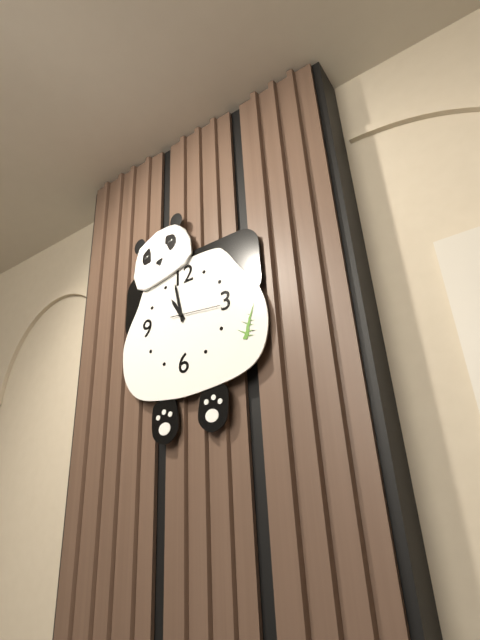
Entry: h=10 m=58
